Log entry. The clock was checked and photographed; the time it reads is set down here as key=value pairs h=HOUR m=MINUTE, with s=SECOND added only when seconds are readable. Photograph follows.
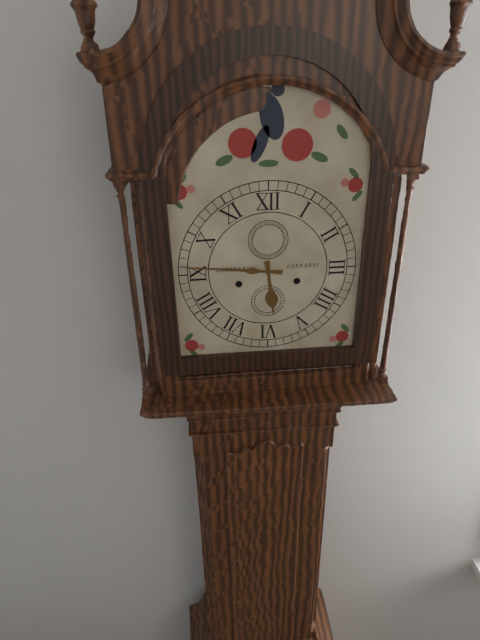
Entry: h=5 m=46
